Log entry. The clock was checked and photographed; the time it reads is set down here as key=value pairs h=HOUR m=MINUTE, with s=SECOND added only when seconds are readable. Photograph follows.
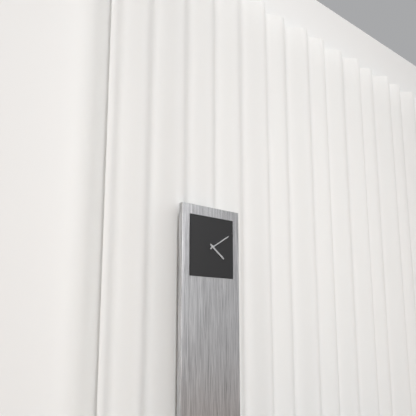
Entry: h=4 m=10
